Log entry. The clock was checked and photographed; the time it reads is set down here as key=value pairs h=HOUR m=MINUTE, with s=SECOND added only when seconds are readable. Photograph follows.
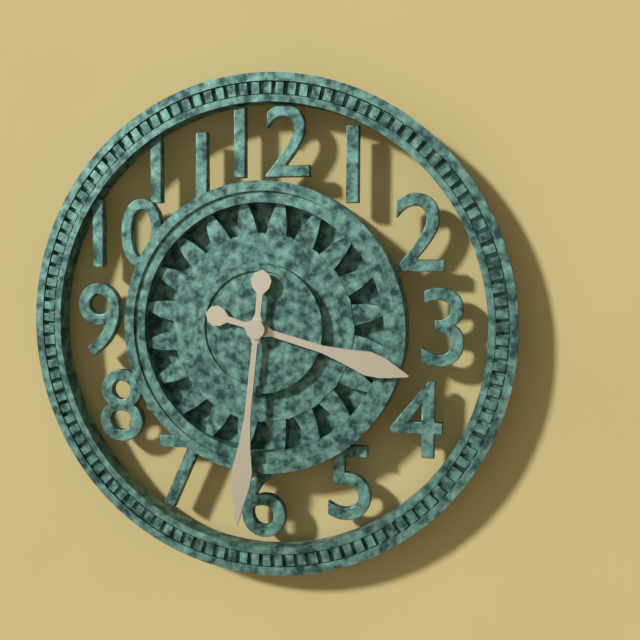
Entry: h=3 m=31
